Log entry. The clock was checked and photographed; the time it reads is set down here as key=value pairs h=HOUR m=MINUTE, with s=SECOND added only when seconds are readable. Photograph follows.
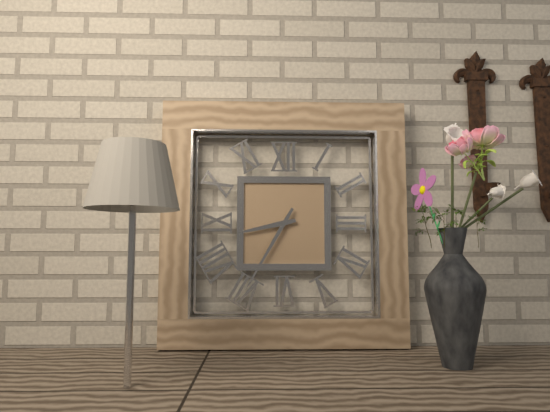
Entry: h=8 m=35
